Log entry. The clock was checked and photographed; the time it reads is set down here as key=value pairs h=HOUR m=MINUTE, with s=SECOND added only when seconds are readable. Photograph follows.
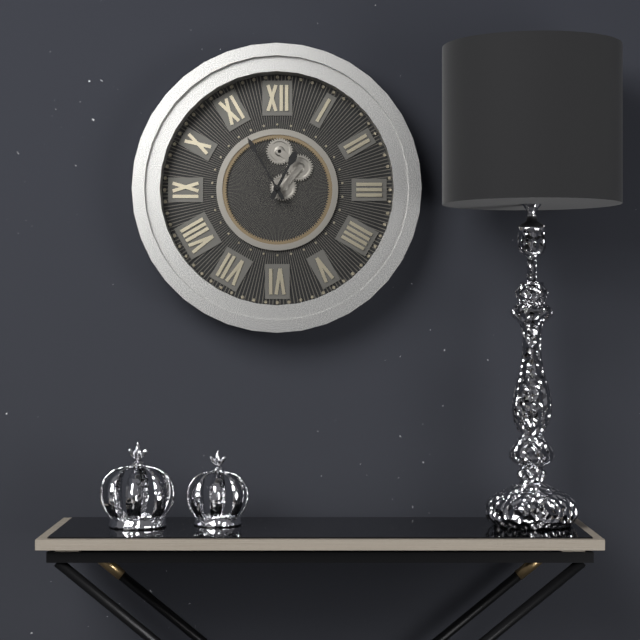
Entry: h=12 m=55
